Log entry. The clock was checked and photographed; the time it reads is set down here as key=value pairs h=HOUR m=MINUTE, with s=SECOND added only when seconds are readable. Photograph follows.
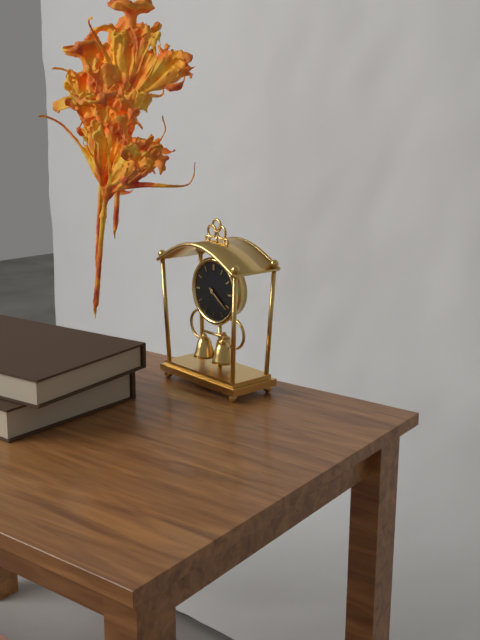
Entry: h=4 m=21
